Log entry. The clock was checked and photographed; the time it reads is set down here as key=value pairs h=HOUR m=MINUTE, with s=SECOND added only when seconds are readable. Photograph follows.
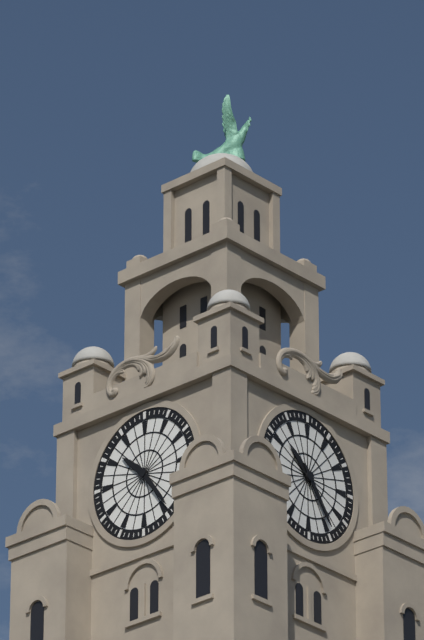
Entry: h=10 m=24
